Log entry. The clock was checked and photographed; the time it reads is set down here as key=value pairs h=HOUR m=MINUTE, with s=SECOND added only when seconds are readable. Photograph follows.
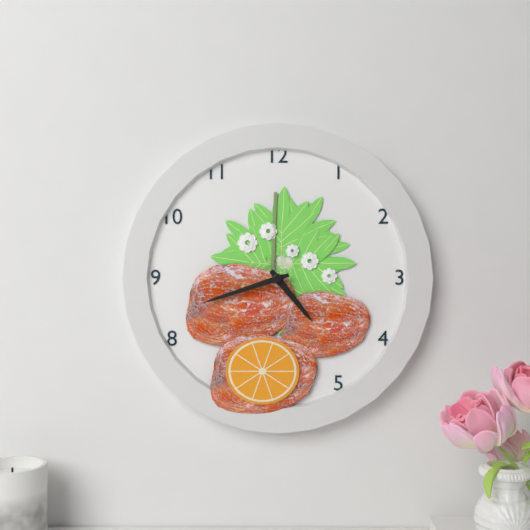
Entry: h=4 m=42
